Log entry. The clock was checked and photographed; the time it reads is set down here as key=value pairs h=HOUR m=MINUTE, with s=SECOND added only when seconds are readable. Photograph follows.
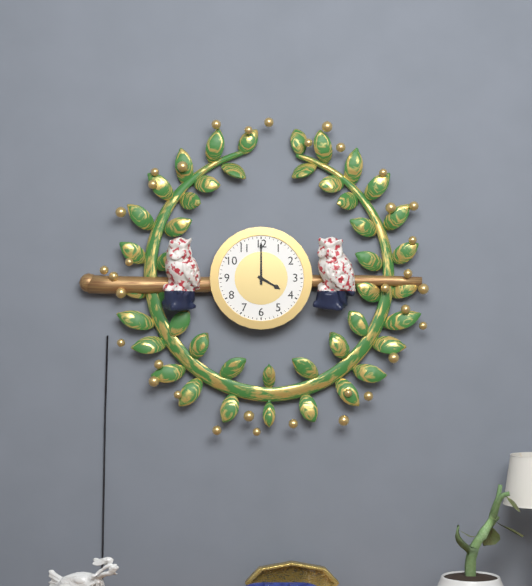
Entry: h=4 m=0
